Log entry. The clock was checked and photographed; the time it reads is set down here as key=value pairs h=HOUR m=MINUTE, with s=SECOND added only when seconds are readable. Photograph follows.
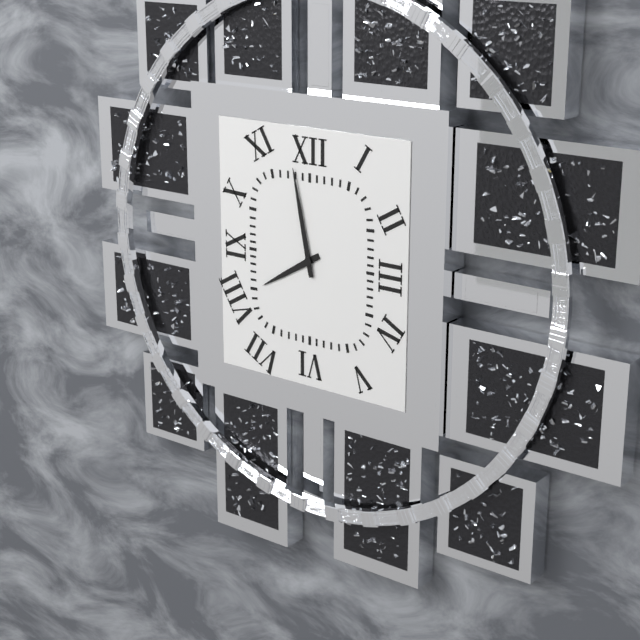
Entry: h=7 m=58
